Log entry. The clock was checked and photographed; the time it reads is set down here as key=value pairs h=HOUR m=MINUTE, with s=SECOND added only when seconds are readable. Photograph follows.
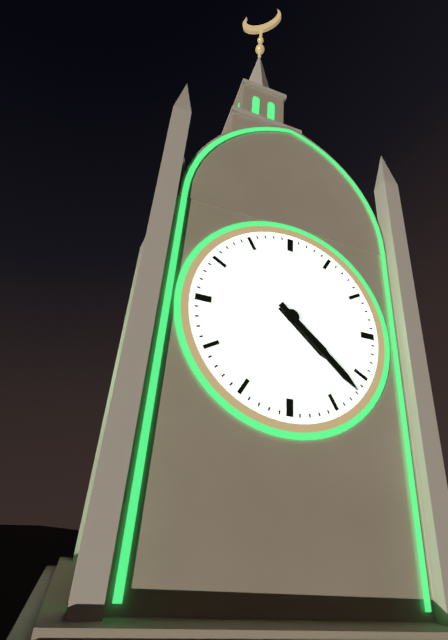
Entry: h=4 m=22
